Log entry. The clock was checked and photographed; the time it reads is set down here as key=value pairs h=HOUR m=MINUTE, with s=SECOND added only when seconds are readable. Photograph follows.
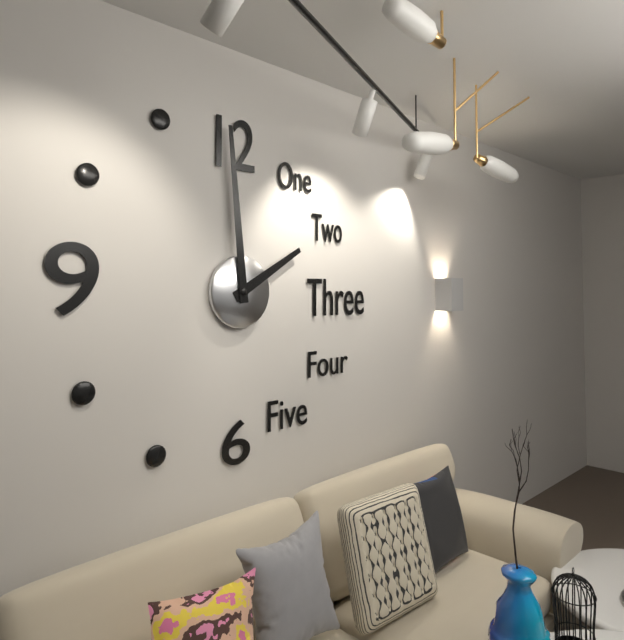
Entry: h=1 m=59
